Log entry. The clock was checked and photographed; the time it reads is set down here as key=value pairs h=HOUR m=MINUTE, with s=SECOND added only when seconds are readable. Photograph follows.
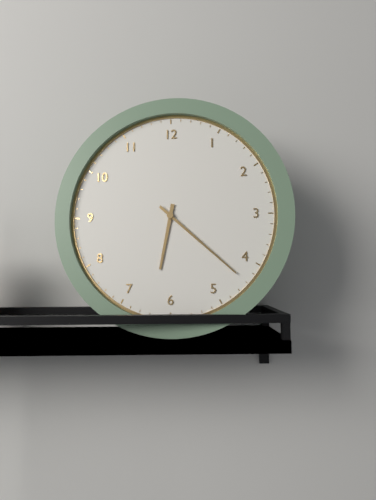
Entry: h=6 m=22
